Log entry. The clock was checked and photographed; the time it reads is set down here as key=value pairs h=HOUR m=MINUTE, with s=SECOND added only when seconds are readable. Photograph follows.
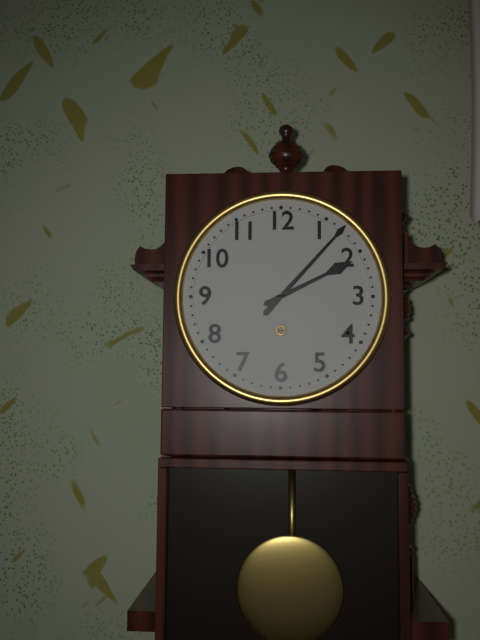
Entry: h=2 m=7
